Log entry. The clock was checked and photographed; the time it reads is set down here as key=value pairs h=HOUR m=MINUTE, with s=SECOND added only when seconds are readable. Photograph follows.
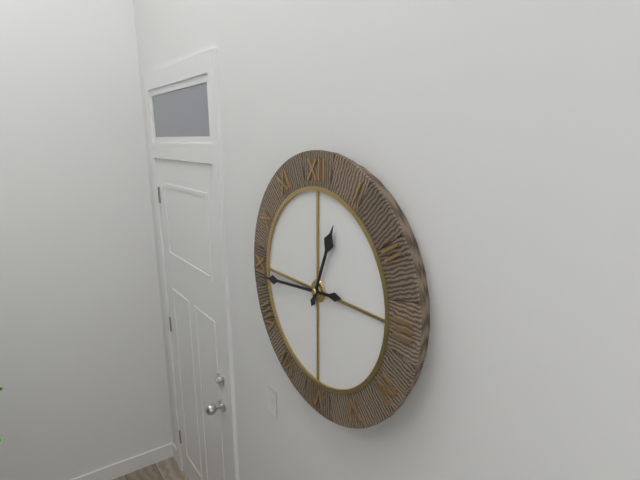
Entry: h=12 m=44
